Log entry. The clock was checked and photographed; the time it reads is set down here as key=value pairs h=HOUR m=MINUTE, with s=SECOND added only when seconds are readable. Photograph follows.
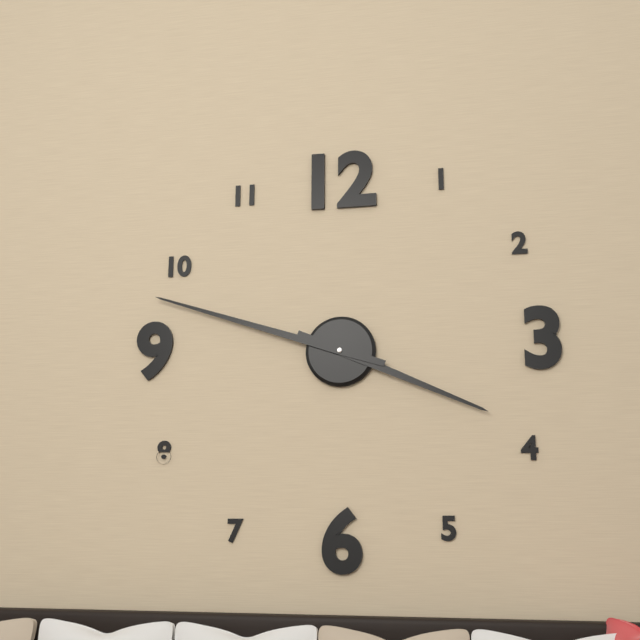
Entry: h=3 m=48
